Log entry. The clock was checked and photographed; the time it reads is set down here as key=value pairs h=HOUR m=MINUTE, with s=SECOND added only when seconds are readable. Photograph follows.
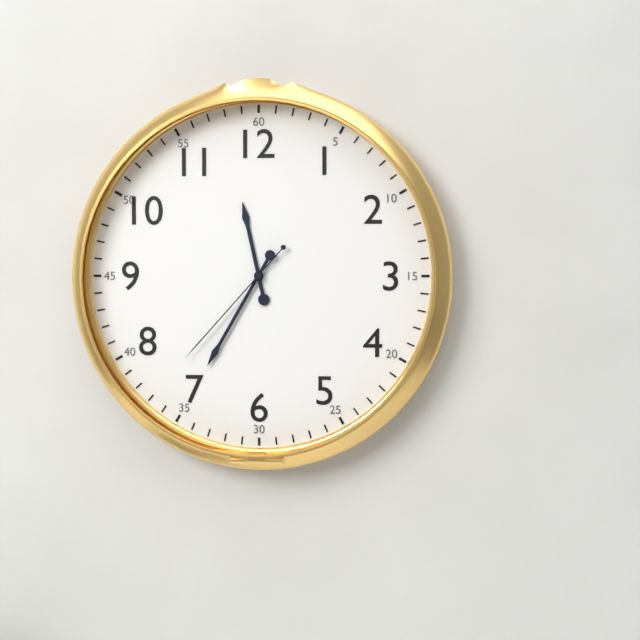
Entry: h=11 m=35 s=37
